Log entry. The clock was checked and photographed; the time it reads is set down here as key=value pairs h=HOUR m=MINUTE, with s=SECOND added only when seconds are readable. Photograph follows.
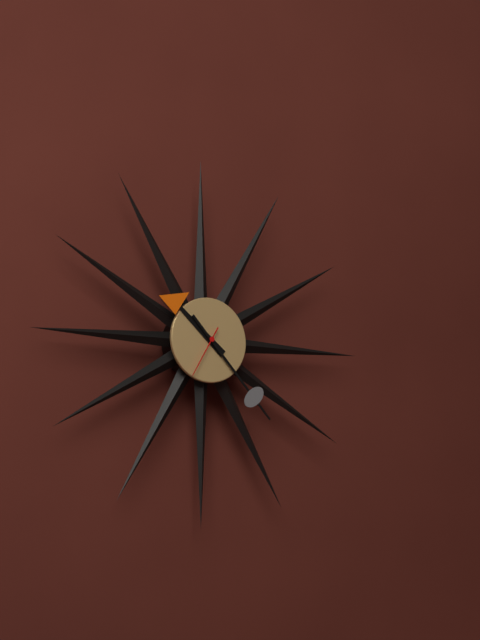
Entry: h=10 m=23
